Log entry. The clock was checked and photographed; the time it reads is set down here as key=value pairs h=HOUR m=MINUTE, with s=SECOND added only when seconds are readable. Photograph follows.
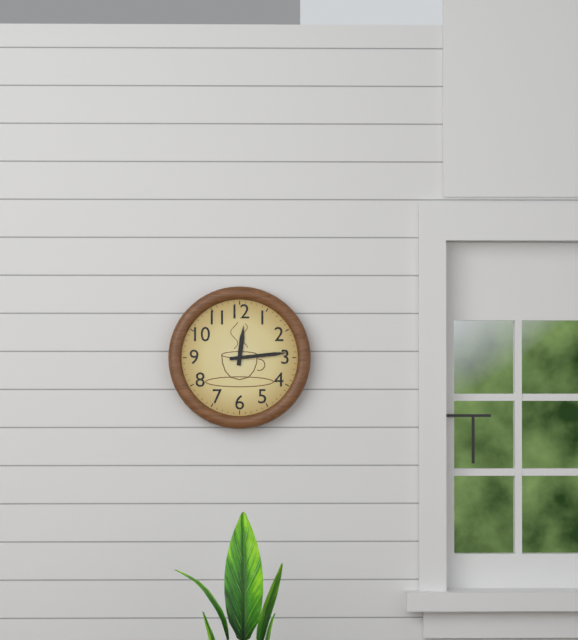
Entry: h=12 m=14
